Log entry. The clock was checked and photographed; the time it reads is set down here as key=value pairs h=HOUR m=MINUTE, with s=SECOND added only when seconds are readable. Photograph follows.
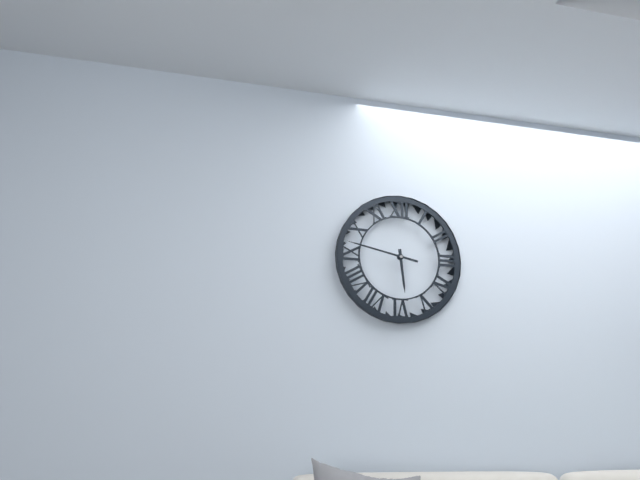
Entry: h=5 m=47
